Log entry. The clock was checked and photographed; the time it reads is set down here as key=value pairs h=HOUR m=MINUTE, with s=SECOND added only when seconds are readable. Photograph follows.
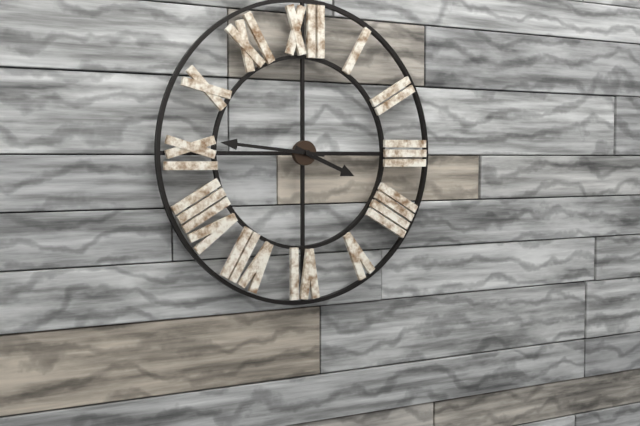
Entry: h=3 m=46
